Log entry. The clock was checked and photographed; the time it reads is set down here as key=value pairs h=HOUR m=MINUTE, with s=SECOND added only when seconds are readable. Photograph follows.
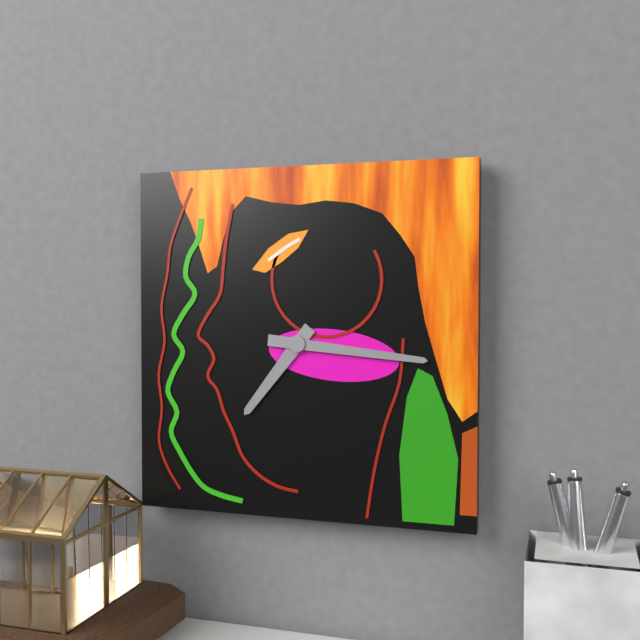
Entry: h=7 m=16
